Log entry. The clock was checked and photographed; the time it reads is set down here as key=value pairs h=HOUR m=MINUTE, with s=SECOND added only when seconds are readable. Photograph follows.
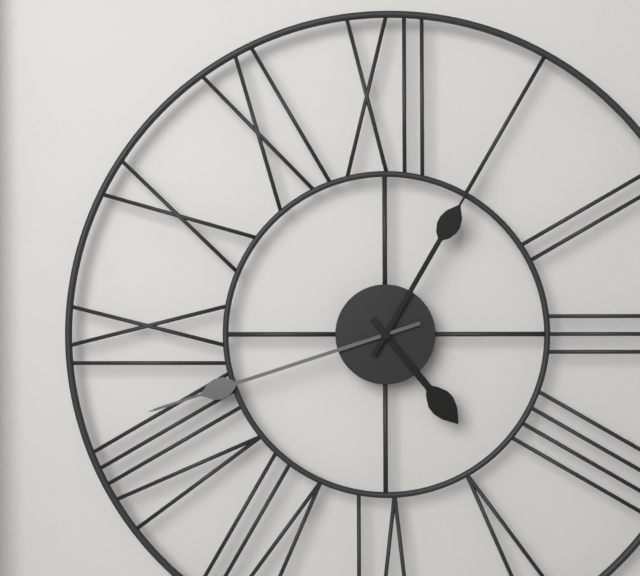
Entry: h=4 m=42 s=5
